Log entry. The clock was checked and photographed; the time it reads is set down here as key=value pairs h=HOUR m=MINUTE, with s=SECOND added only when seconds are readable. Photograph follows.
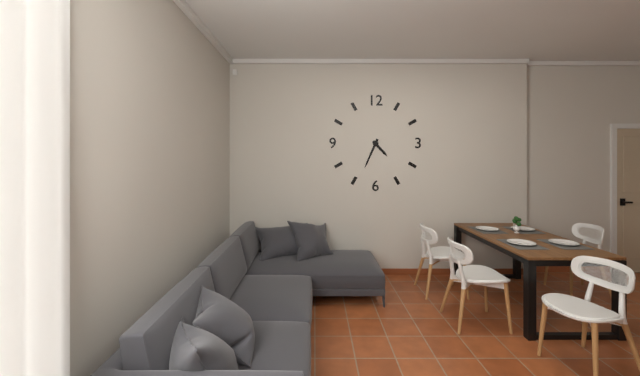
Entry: h=4 m=34
